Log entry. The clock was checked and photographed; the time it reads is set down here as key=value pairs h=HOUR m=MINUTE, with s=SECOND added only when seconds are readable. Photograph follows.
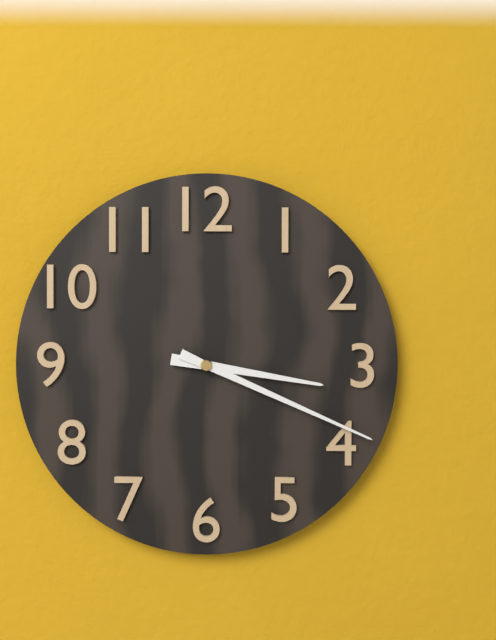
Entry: h=3 m=19
